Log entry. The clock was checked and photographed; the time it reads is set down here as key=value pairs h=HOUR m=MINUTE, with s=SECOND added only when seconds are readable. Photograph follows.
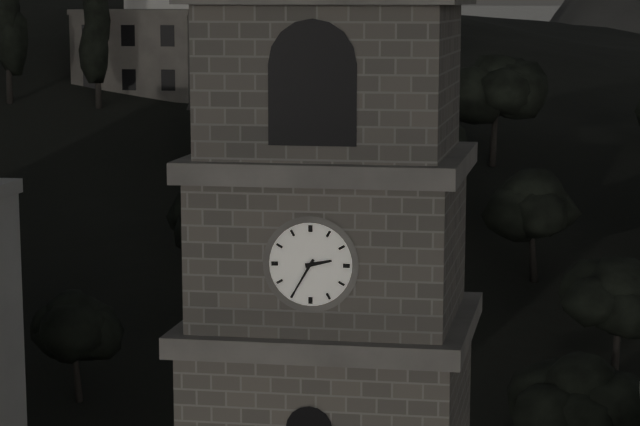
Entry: h=2 m=35
